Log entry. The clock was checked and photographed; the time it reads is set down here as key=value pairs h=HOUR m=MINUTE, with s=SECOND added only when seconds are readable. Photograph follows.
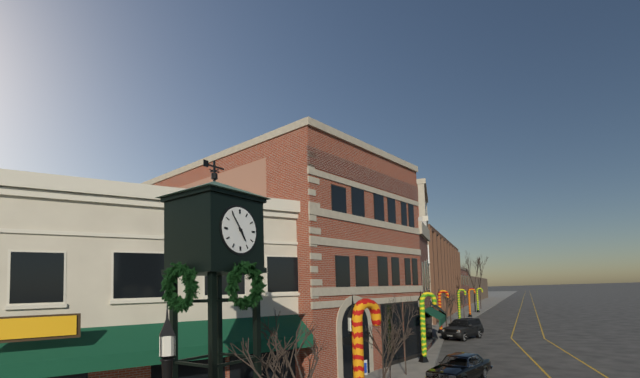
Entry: h=4 m=54
